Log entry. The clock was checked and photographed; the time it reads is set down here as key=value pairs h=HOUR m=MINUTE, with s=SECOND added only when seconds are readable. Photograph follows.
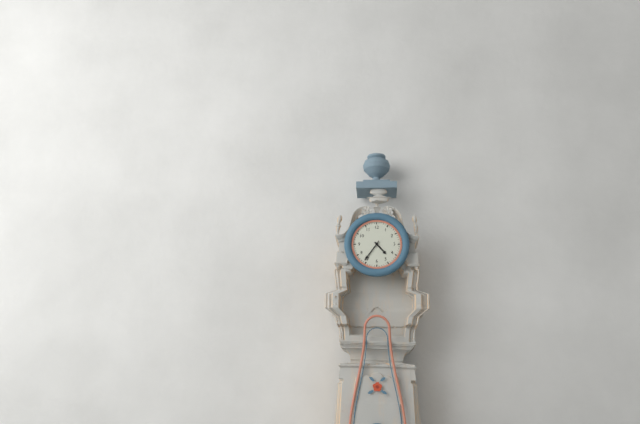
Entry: h=4 m=36
